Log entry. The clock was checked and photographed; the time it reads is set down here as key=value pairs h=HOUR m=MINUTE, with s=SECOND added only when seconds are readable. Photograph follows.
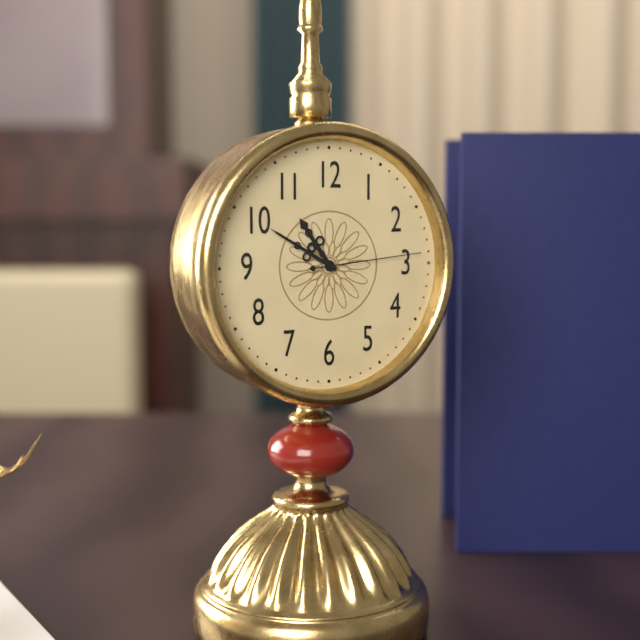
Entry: h=10 m=50 s=14
